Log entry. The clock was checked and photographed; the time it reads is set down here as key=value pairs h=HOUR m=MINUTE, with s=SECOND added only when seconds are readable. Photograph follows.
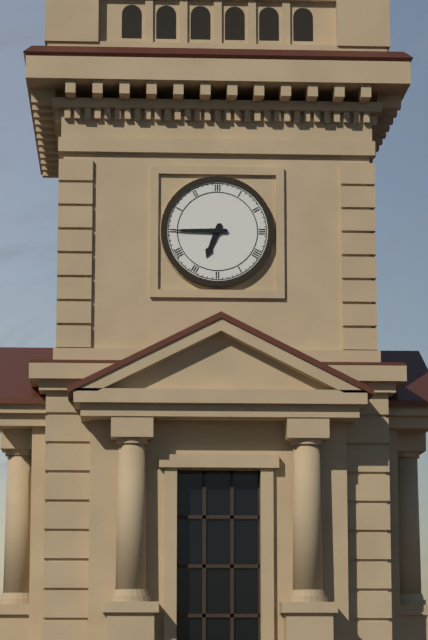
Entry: h=6 m=45
